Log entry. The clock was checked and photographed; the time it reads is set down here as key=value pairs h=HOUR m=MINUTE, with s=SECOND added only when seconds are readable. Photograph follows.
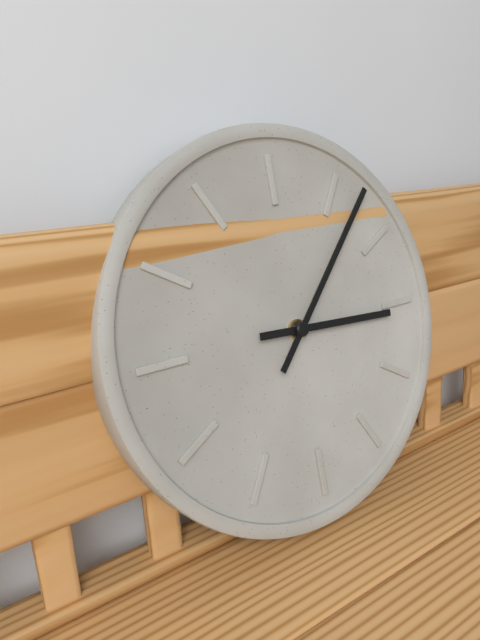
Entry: h=3 m=7
